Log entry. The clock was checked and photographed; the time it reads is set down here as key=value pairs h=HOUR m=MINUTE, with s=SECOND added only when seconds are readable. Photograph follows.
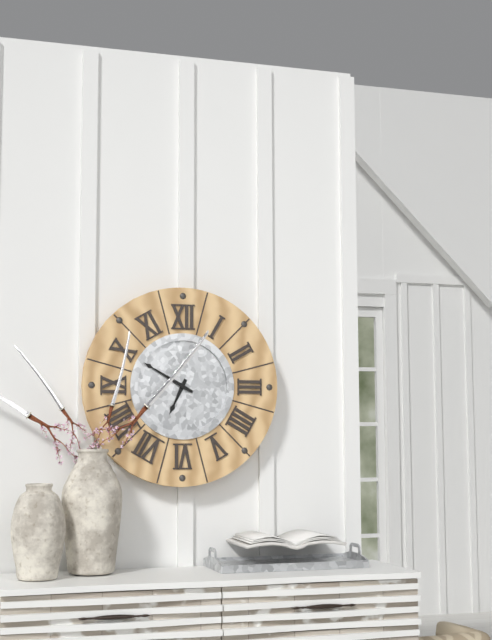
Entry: h=6 m=50
